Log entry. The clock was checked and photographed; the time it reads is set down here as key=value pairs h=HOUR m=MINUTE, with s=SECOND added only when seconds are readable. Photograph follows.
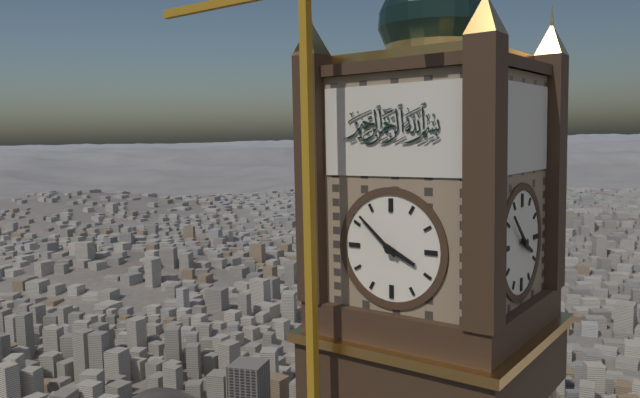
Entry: h=3 m=52
